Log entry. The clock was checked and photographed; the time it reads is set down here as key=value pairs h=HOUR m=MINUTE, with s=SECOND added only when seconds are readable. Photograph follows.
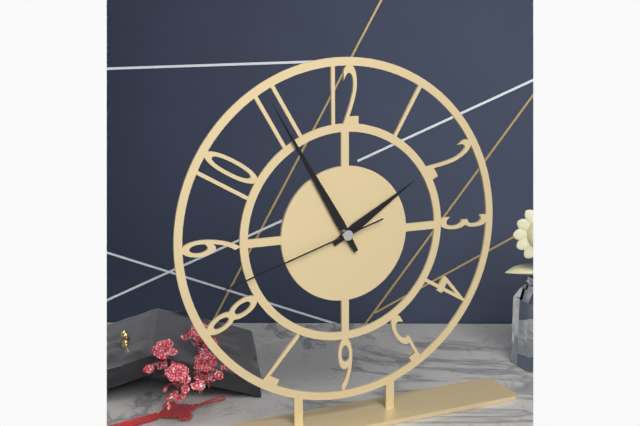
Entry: h=1 m=55 s=42
